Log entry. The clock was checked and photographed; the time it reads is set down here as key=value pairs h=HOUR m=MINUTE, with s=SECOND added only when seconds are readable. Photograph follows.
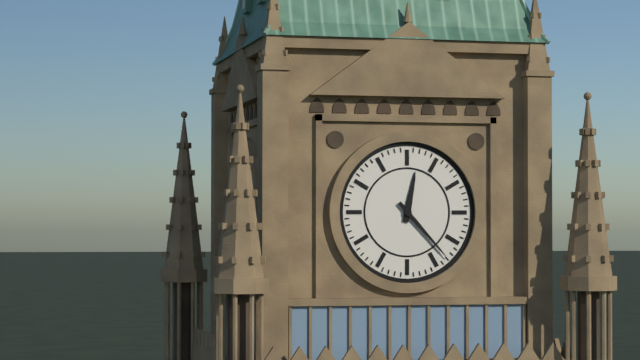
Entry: h=12 m=23
